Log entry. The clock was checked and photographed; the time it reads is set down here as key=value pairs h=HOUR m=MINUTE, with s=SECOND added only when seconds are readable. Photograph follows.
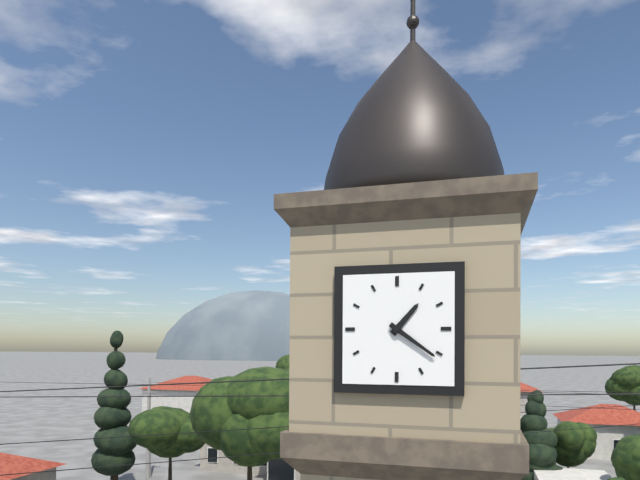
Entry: h=1 m=21
